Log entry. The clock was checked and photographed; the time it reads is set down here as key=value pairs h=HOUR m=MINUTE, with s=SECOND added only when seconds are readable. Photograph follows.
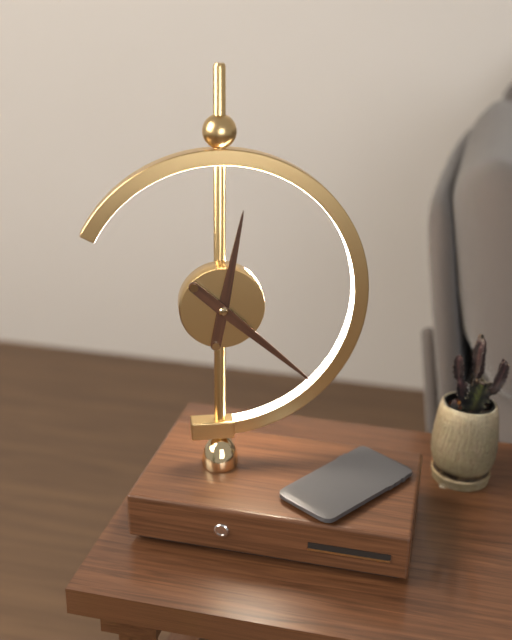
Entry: h=12 m=22
